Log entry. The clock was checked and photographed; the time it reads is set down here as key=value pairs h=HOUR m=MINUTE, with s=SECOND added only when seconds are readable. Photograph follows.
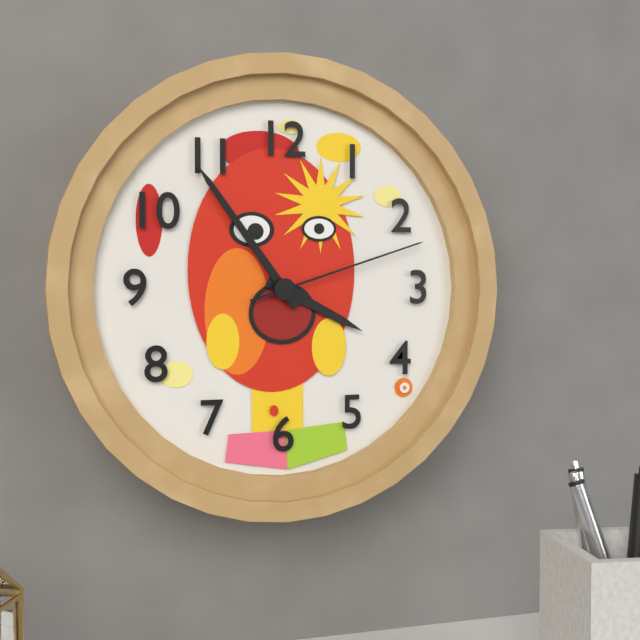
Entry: h=3 m=54 s=12
